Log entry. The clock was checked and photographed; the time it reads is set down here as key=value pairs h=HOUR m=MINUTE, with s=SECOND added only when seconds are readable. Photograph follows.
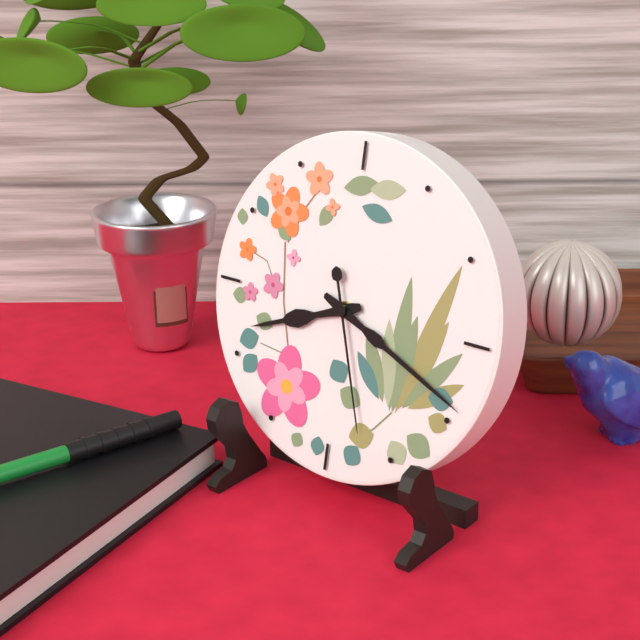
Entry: h=8 m=19 s=27
